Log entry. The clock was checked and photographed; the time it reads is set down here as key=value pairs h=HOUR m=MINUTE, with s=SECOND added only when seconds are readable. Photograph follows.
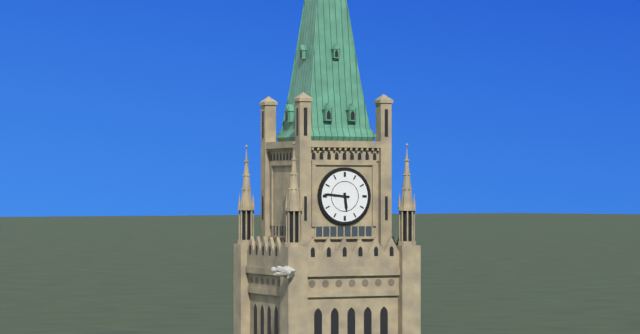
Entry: h=5 m=46
